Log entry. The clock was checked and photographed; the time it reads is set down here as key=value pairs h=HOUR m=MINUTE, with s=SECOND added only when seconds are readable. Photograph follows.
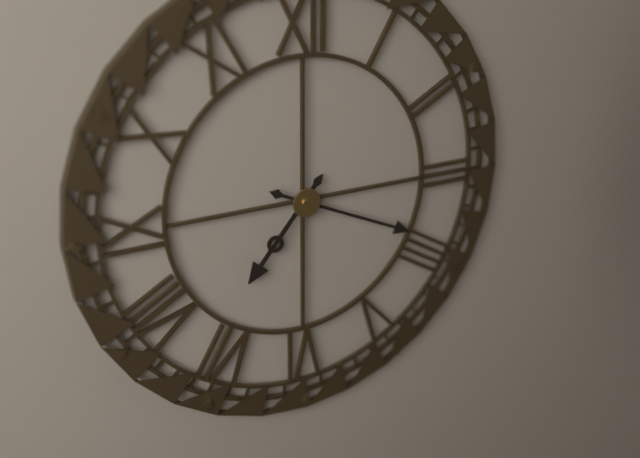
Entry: h=7 m=19
